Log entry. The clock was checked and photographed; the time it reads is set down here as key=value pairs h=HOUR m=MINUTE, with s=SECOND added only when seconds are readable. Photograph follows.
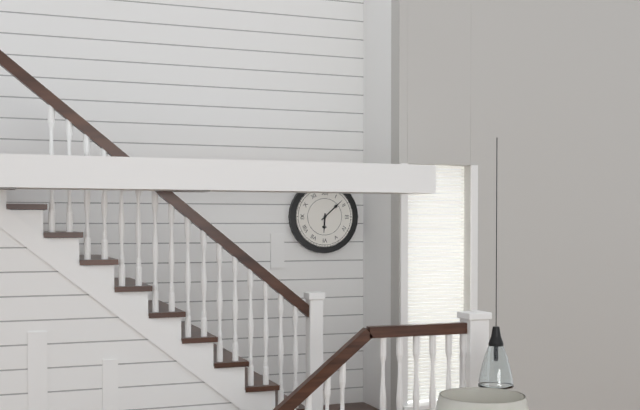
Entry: h=6 m=8
